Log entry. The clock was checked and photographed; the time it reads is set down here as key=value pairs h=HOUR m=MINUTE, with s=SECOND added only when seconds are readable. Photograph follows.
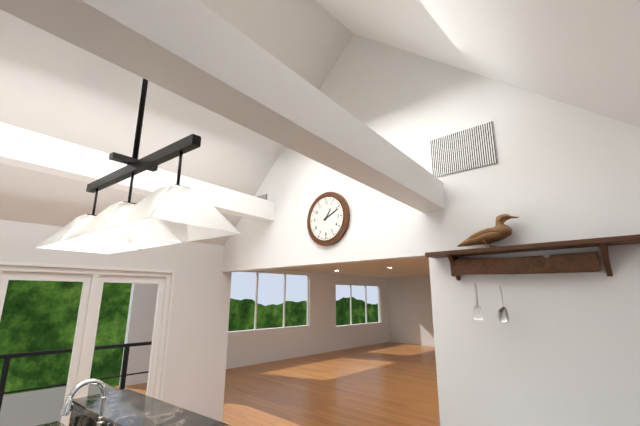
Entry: h=1 m=11
